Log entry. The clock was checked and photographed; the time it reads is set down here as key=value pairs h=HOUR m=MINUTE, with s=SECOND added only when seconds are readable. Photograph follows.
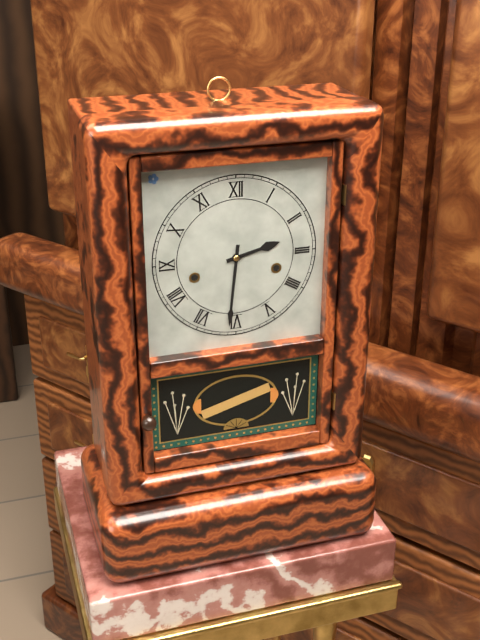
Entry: h=2 m=31
